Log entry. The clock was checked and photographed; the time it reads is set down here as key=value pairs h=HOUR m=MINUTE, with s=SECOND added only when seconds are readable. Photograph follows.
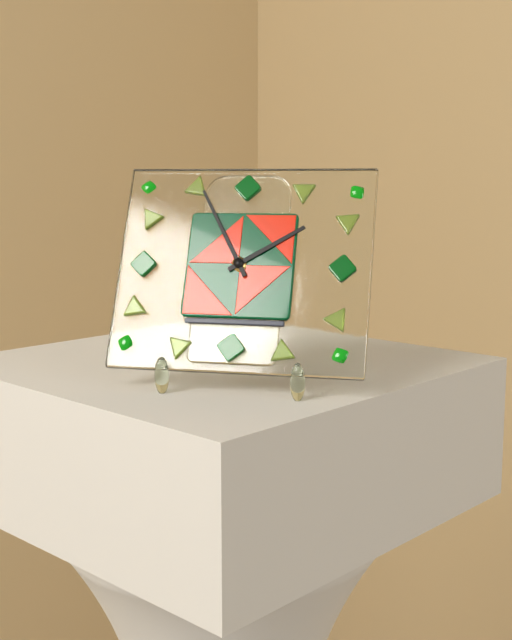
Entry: h=1 m=55
